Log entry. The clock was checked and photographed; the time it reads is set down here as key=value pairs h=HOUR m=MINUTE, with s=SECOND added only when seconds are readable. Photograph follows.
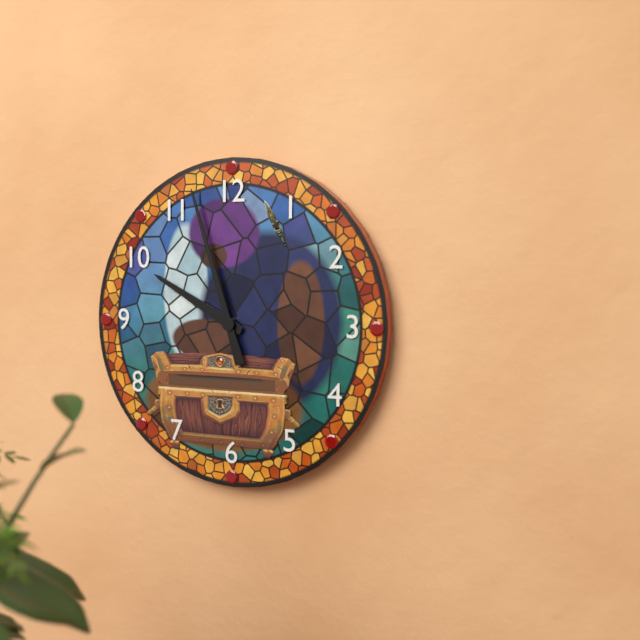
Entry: h=9 m=57
